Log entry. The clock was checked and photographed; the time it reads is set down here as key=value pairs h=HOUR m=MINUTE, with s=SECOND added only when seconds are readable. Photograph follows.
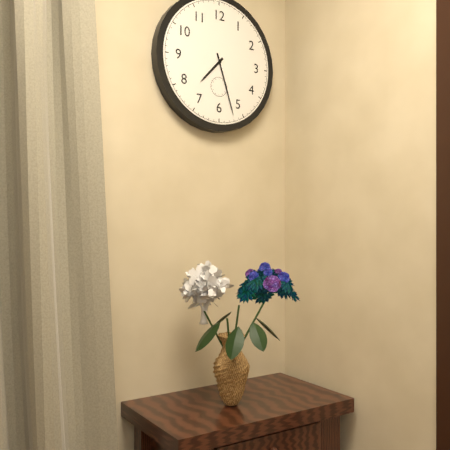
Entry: h=7 m=27
